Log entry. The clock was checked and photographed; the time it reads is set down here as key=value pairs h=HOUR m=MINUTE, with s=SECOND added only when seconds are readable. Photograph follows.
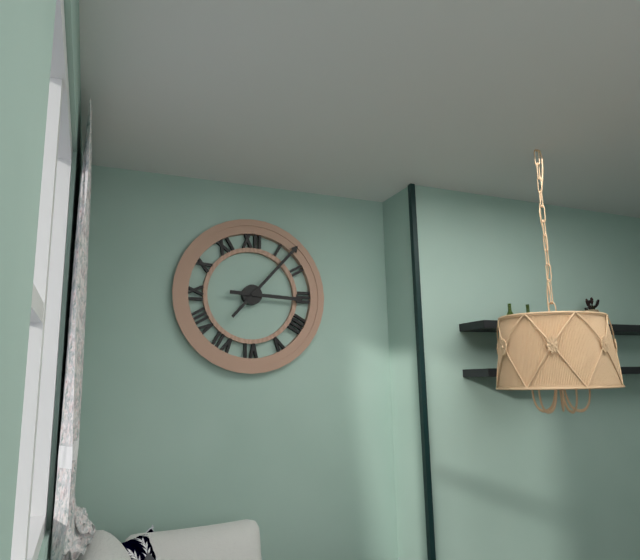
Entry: h=3 m=7
